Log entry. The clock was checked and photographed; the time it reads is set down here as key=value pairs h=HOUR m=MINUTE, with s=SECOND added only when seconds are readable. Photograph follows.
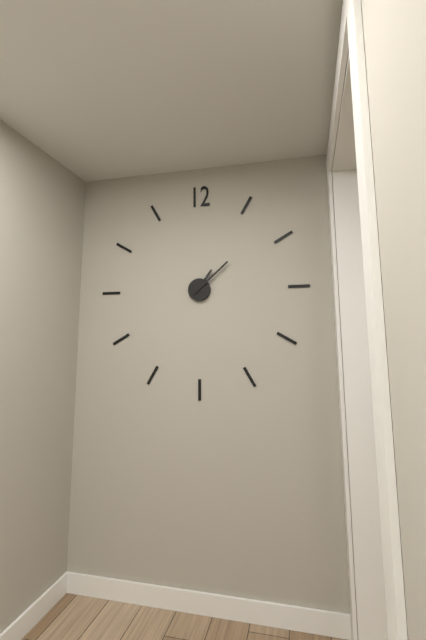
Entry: h=1 m=8
